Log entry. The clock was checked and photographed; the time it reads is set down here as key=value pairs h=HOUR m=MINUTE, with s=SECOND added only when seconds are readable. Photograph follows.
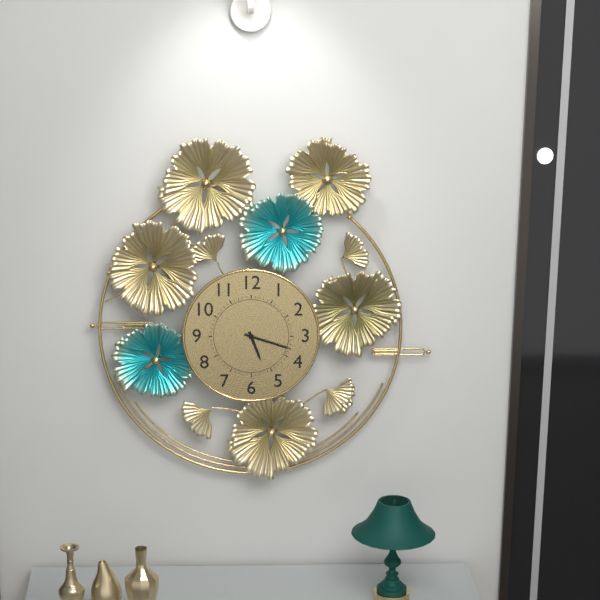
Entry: h=5 m=18
